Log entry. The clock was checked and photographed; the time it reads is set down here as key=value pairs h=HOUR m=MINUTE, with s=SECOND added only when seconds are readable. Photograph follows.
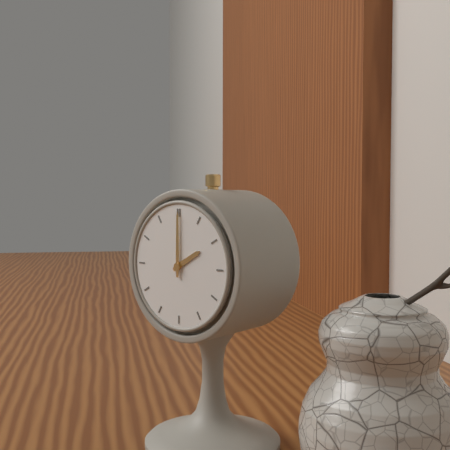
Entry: h=2 m=0
